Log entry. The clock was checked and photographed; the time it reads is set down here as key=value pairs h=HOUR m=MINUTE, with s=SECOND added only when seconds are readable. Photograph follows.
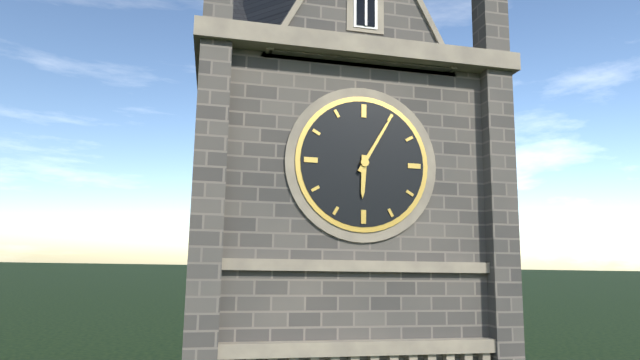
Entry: h=6 m=5
